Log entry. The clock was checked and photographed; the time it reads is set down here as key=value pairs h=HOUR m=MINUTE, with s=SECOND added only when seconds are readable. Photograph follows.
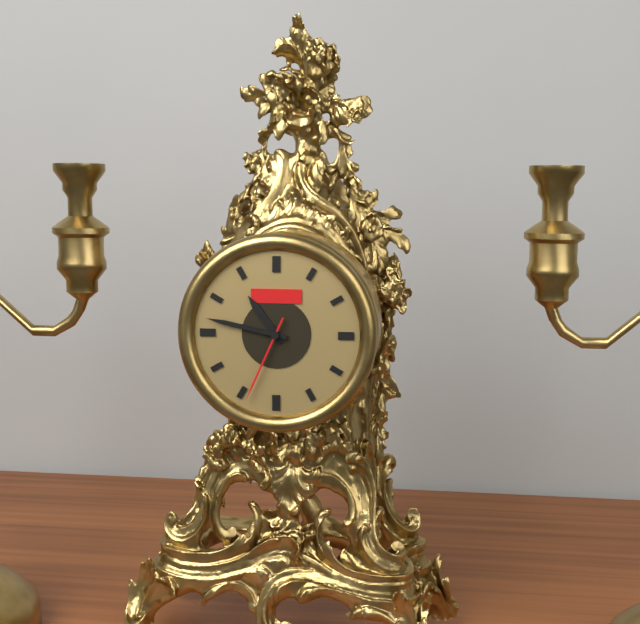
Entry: h=10 m=47 s=34
